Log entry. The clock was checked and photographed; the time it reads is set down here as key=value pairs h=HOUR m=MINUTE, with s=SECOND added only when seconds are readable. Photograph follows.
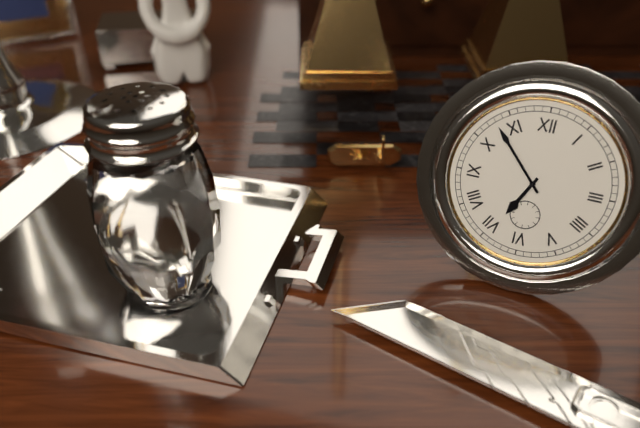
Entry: h=6 m=53
